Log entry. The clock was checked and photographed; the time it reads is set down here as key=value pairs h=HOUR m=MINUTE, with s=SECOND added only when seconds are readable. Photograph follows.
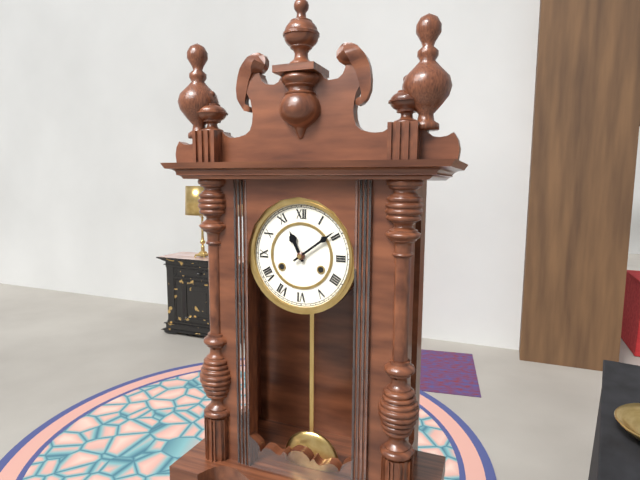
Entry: h=11 m=9
